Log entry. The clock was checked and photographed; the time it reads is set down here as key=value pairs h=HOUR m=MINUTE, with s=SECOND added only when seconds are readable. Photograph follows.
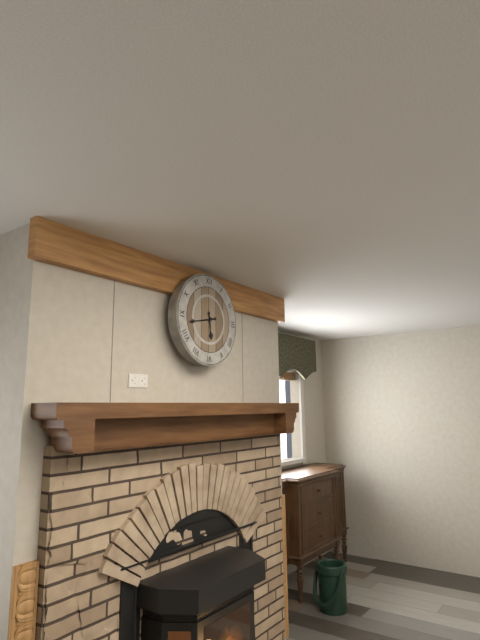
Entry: h=5 m=43
